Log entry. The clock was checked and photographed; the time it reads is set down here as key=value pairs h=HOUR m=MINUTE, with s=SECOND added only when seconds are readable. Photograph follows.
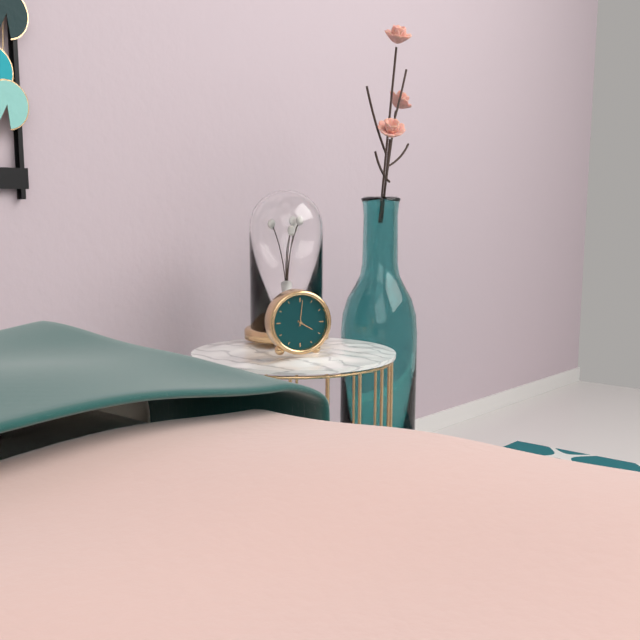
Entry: h=4 m=1
